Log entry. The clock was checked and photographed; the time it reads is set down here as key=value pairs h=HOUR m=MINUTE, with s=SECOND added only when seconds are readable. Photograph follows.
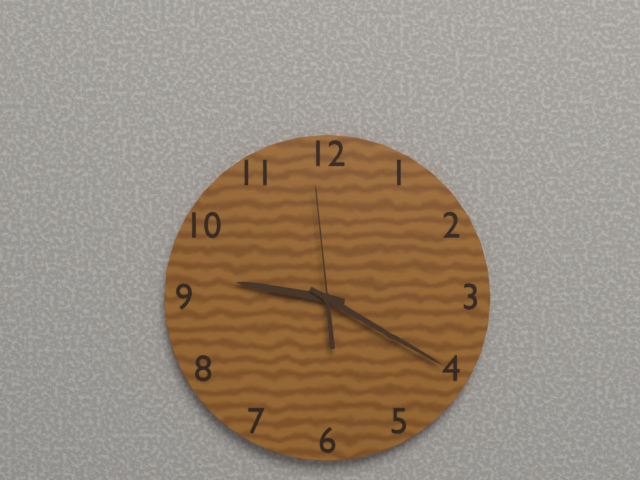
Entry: h=9 m=20 s=59
